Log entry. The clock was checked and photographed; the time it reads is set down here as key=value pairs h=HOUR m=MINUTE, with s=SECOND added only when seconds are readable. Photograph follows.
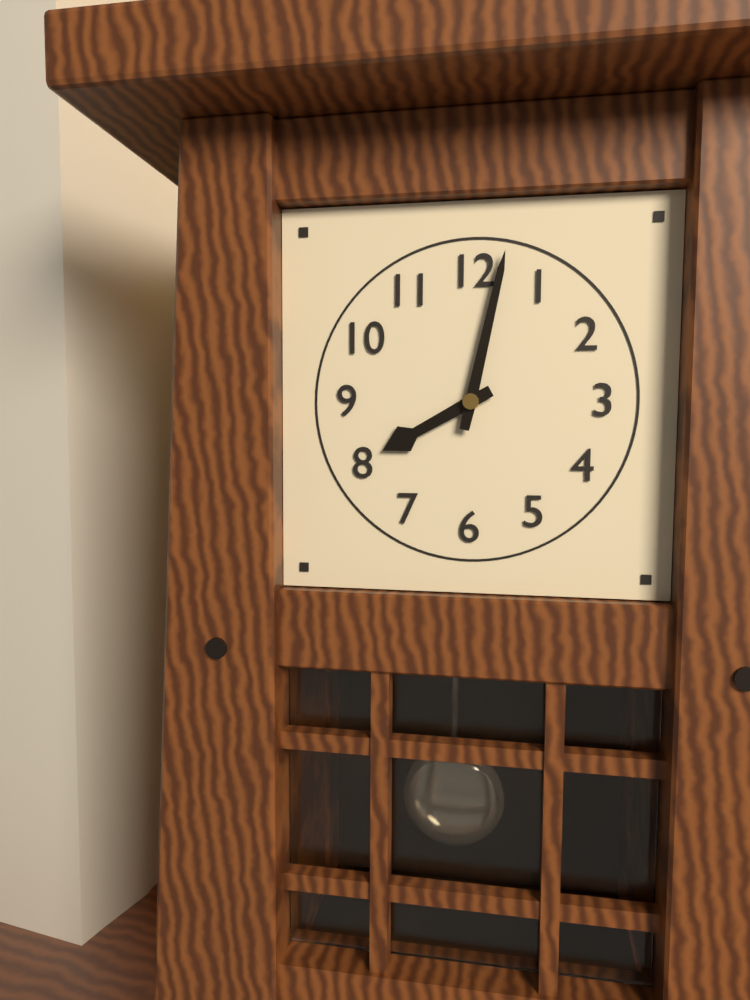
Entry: h=8 m=2
